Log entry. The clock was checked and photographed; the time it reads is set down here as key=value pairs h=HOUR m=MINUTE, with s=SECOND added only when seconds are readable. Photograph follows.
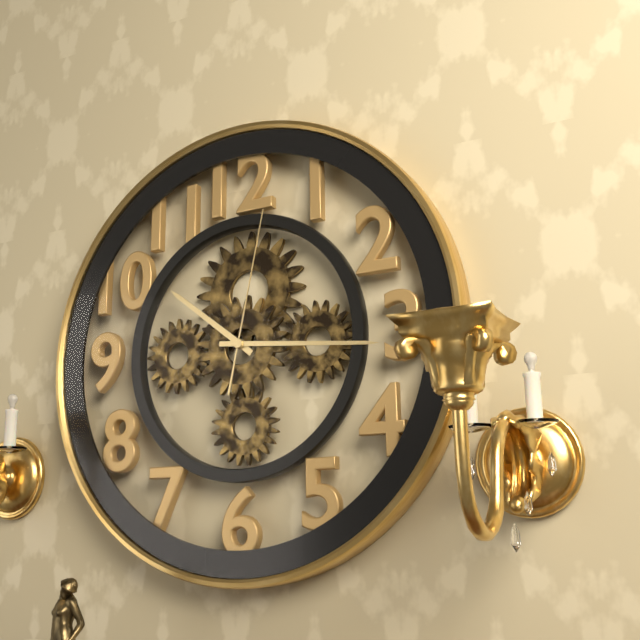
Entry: h=10 m=16 s=2
